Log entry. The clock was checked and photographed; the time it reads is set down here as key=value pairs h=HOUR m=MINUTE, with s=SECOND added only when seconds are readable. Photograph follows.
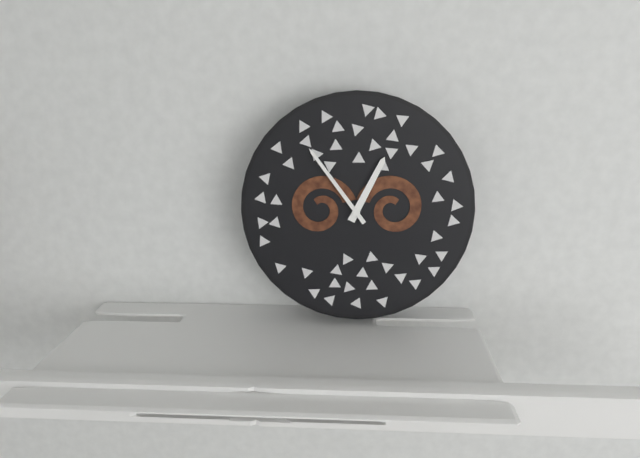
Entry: h=12 m=54
